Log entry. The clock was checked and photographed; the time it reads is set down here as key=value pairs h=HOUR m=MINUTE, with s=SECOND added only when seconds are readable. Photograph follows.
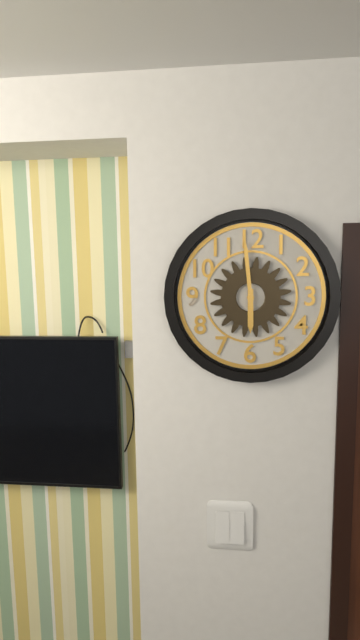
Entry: h=5 m=59
